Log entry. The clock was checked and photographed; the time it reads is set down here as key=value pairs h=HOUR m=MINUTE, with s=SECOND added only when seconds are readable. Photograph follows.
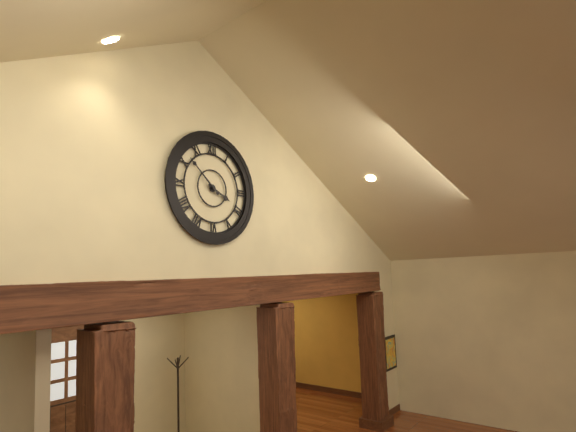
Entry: h=3 m=52
